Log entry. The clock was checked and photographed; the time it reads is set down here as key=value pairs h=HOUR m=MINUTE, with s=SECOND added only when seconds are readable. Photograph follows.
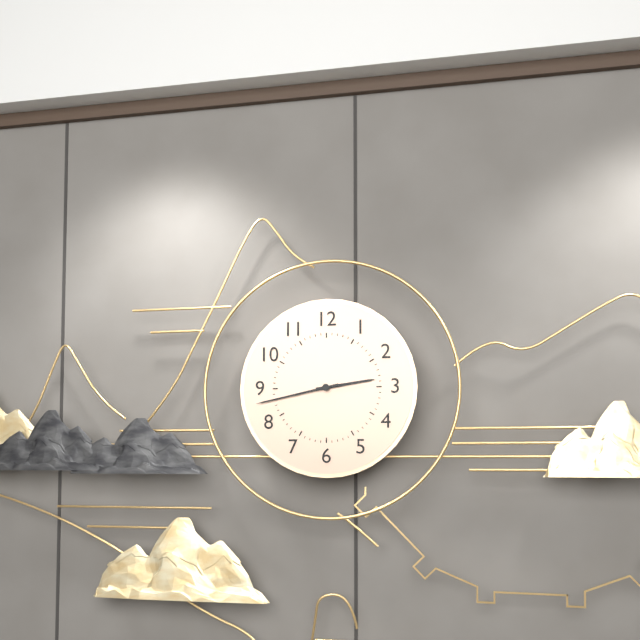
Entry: h=2 m=43
